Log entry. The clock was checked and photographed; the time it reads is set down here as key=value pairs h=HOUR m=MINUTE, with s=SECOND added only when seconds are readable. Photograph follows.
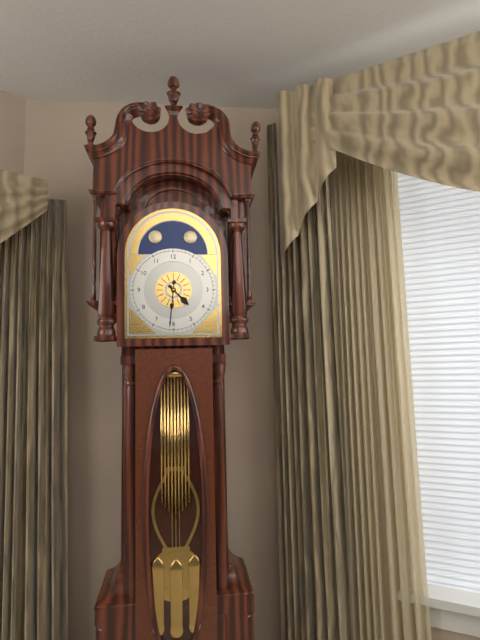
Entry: h=4 m=31
